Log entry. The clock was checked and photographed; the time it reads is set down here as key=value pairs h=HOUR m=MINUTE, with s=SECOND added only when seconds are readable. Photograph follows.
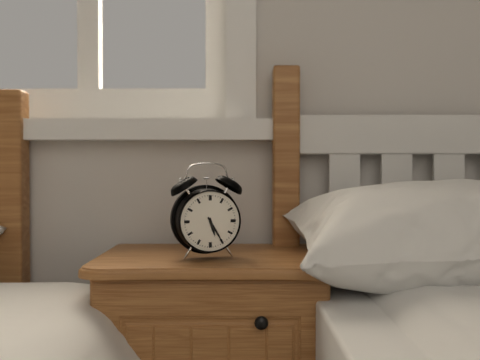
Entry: h=5 m=25
